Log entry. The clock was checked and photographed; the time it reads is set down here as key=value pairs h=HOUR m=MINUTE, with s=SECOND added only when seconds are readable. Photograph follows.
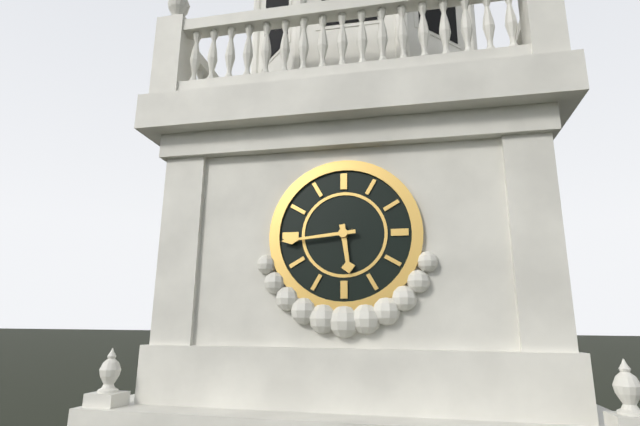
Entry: h=5 m=44
